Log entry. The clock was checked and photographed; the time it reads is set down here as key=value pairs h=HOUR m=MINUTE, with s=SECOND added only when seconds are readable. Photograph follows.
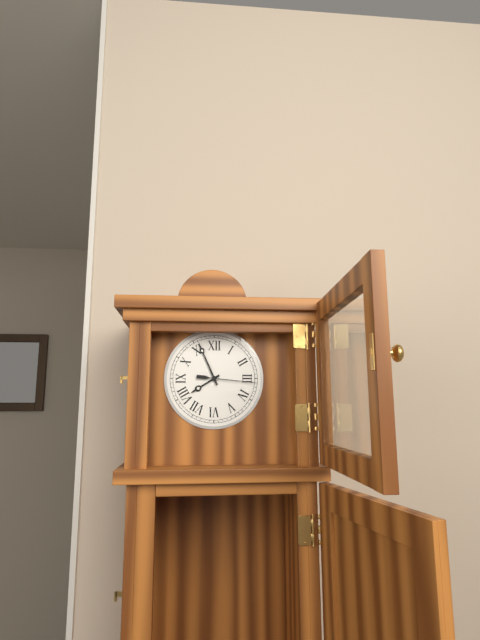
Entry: h=7 m=56 s=16
